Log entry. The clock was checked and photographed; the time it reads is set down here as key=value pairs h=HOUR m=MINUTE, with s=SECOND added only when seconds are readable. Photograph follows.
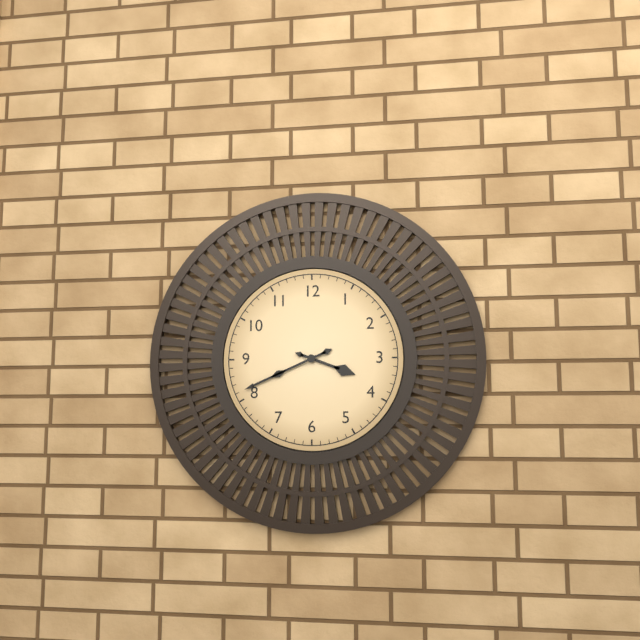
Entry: h=3 m=41
